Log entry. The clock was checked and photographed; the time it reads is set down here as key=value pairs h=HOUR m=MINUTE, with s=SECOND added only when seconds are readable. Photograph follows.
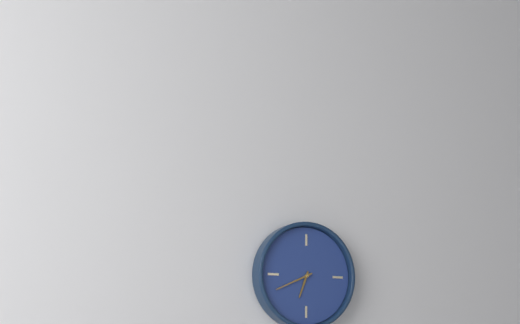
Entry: h=6 m=41
